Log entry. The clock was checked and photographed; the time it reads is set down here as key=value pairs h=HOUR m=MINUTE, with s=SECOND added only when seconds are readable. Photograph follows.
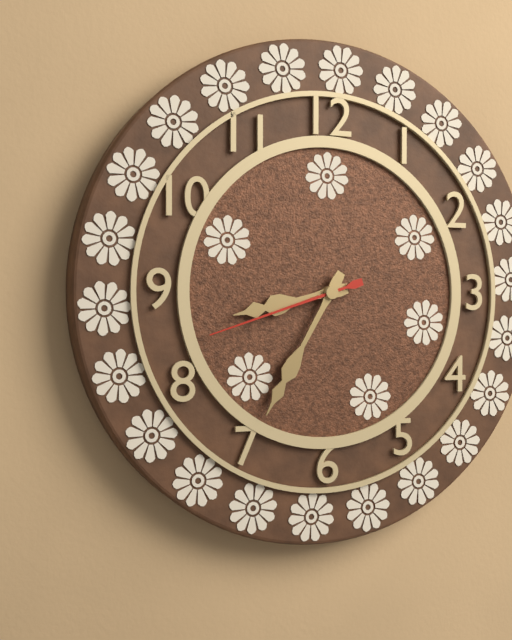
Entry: h=8 m=35 s=42
